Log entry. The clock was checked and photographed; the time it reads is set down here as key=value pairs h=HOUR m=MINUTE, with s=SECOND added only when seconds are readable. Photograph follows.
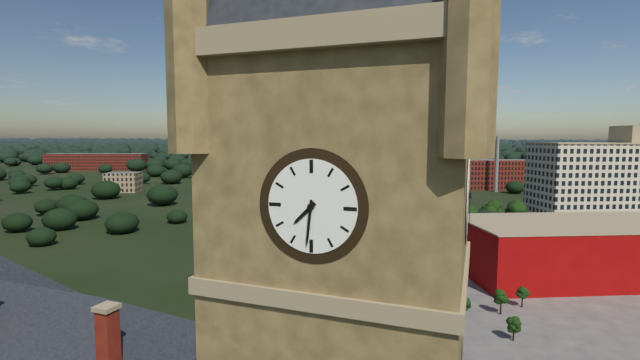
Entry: h=7 m=31
